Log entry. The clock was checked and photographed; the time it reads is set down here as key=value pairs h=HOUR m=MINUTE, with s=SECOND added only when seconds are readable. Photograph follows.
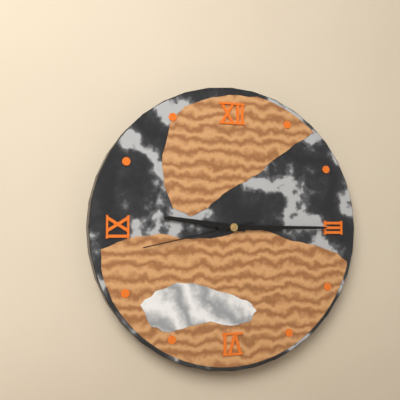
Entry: h=9 m=15 s=43
